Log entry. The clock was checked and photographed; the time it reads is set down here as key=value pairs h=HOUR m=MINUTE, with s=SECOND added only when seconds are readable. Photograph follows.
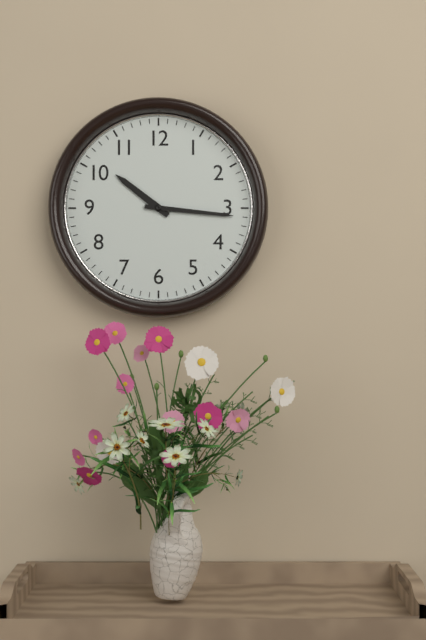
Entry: h=10 m=16
